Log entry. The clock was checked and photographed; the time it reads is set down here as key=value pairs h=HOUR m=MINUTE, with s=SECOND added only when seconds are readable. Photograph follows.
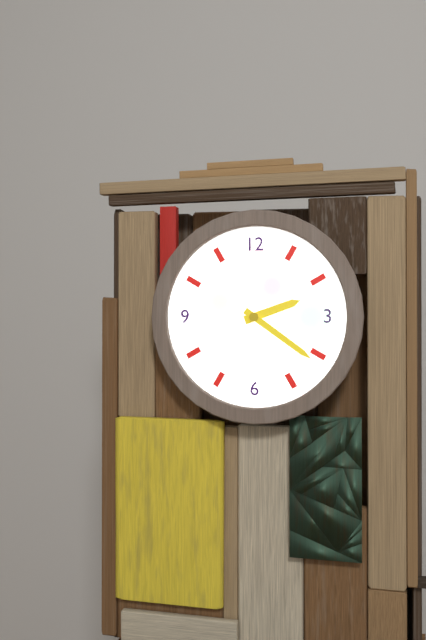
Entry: h=2 m=21
